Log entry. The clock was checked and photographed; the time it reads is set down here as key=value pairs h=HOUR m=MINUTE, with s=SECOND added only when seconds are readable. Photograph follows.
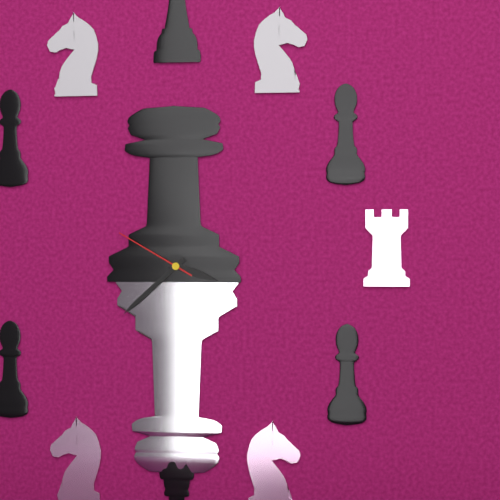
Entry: h=3 m=38 s=50
